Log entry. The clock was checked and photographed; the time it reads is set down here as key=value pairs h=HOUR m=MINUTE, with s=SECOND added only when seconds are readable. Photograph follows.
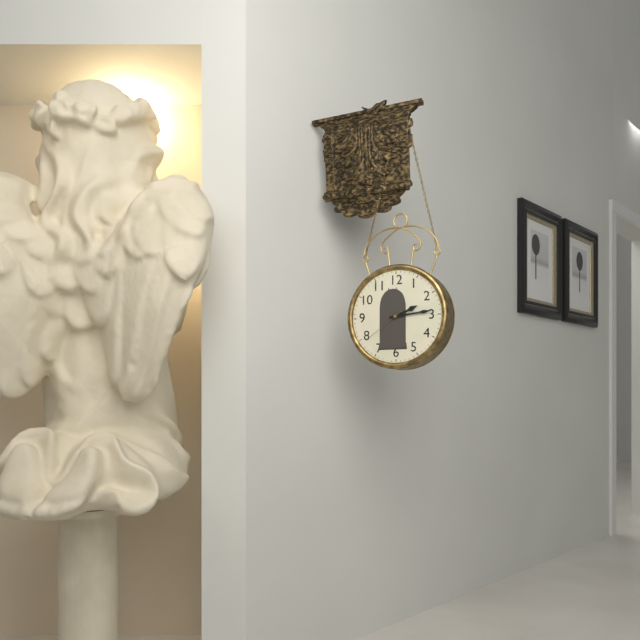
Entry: h=2 m=14
